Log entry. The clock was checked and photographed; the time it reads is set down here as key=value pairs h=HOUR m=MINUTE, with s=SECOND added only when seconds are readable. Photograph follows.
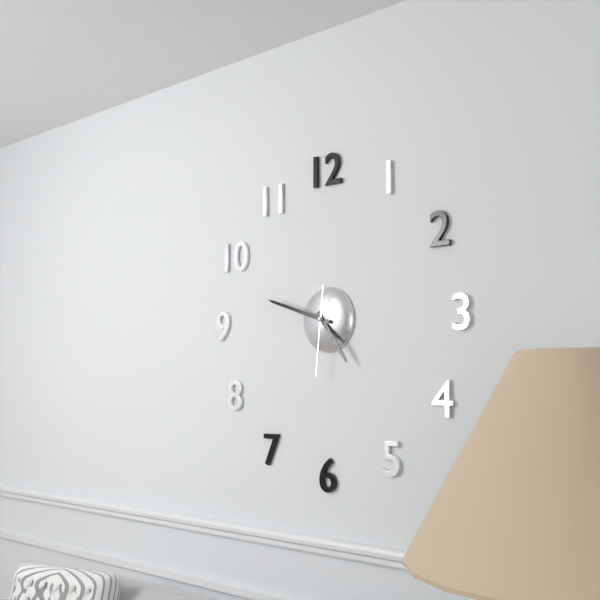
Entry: h=4 m=48 s=31
